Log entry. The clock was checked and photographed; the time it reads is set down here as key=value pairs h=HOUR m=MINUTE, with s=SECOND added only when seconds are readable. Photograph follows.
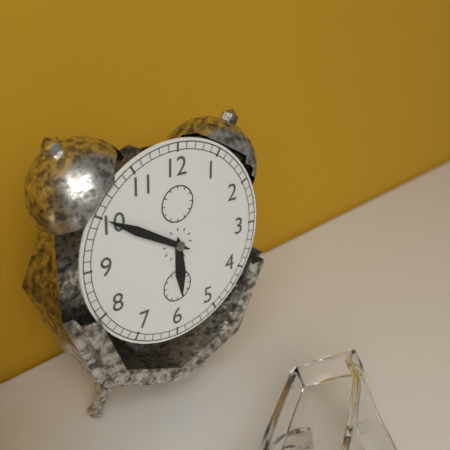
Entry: h=5 m=50
